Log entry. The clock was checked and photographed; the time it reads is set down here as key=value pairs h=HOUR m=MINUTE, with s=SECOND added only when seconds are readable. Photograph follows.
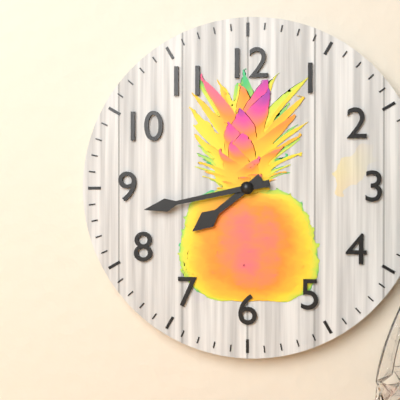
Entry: h=7 m=43
